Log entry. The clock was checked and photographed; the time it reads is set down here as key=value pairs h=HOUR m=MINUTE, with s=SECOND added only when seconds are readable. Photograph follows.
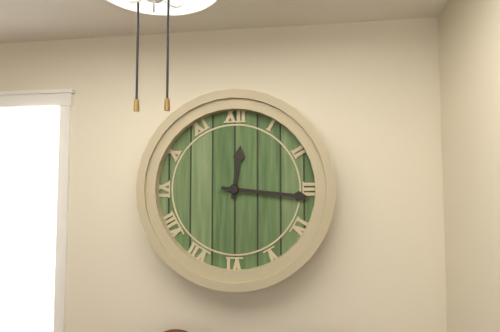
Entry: h=12 m=16
